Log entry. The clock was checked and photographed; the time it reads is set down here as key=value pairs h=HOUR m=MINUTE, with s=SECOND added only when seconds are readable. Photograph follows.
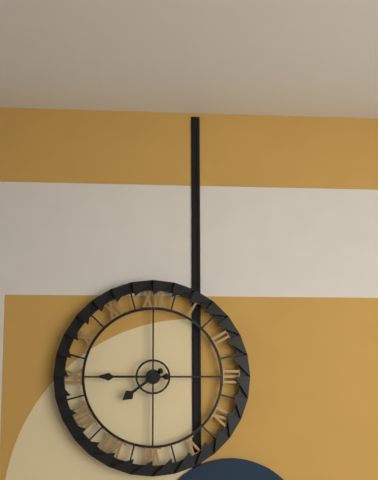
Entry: h=7 m=45
